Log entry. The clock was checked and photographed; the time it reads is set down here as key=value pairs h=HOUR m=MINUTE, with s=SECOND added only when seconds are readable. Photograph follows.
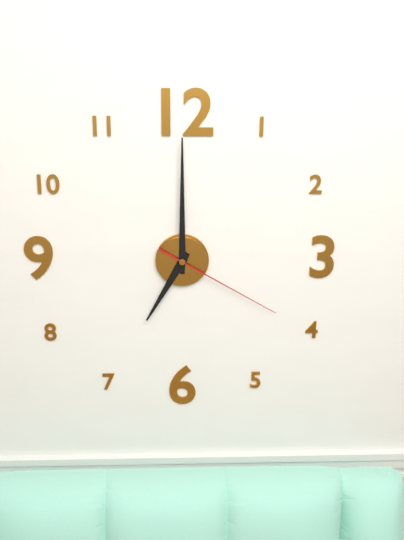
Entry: h=7 m=0 s=20
